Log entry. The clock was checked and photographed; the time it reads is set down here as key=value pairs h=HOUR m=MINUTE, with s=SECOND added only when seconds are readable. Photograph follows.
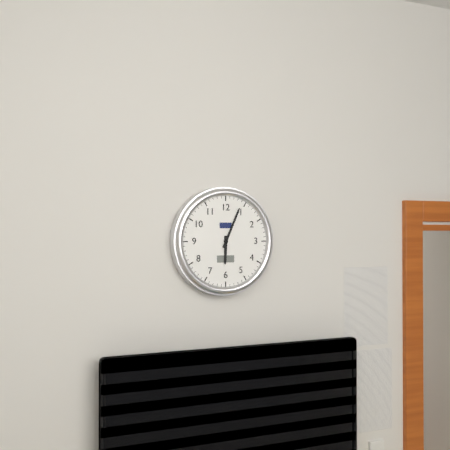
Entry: h=6 m=4
